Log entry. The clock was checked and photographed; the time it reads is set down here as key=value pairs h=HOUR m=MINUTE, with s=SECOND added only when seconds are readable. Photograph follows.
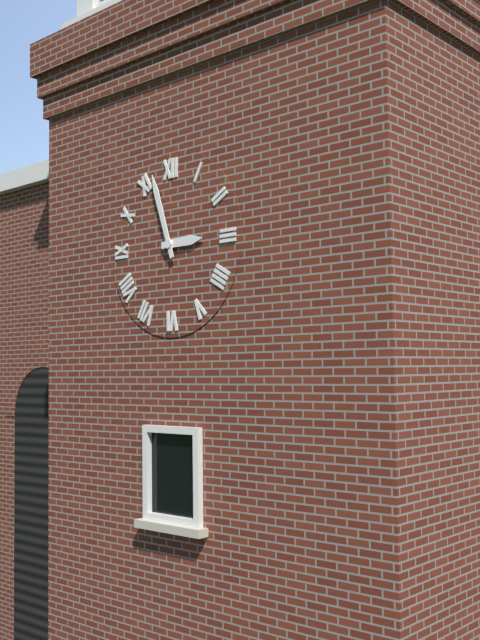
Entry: h=2 m=57
